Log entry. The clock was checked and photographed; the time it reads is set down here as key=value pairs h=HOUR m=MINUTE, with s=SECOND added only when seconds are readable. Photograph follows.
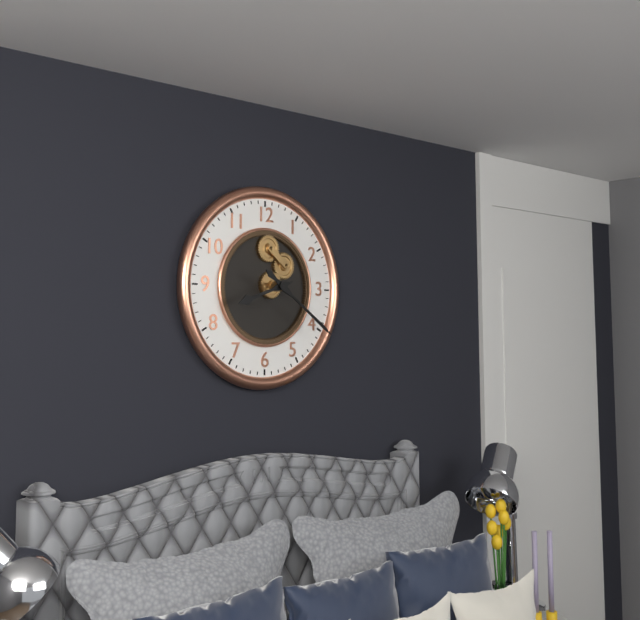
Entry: h=8 m=21
